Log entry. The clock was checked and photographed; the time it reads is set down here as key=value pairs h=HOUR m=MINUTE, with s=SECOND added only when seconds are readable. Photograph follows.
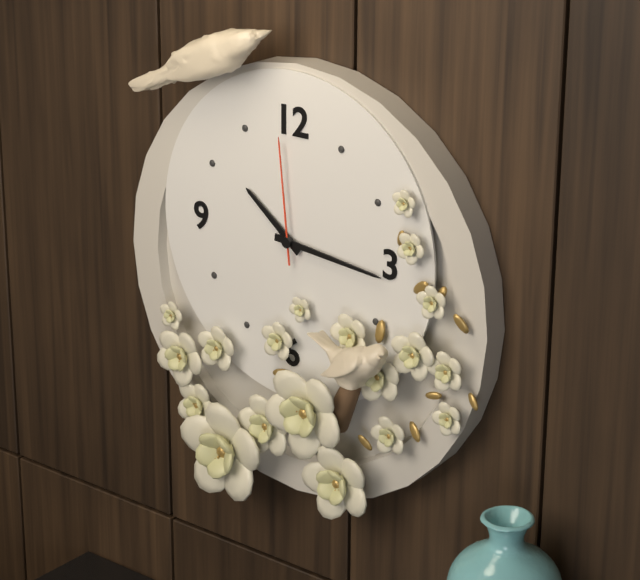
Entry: h=10 m=16 s=59
